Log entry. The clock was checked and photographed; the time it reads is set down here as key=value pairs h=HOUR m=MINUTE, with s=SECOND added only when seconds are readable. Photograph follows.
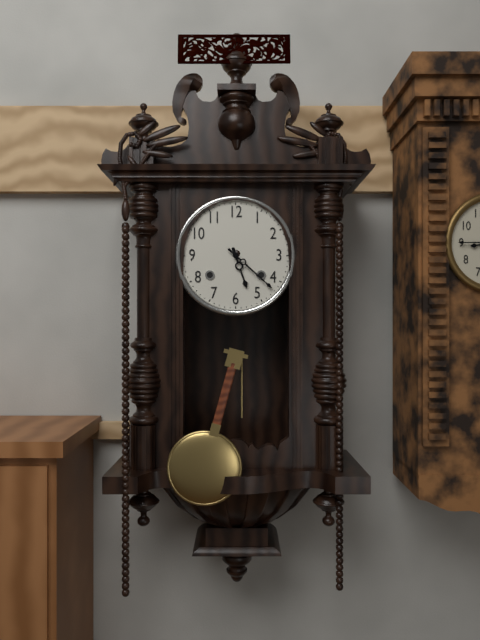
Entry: h=5 m=22
